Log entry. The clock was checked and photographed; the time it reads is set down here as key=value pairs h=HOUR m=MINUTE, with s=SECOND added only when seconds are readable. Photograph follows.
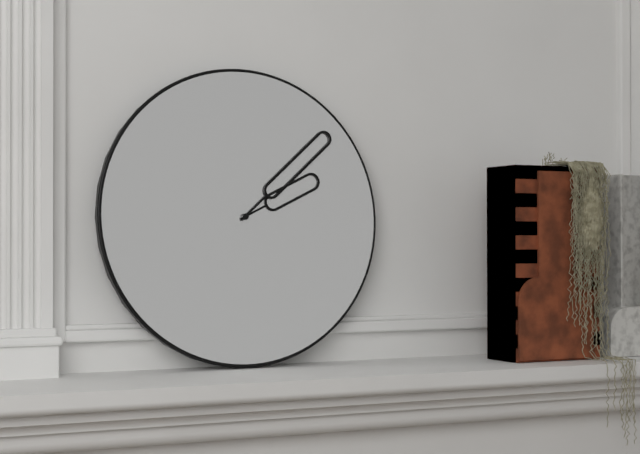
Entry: h=2 m=8
